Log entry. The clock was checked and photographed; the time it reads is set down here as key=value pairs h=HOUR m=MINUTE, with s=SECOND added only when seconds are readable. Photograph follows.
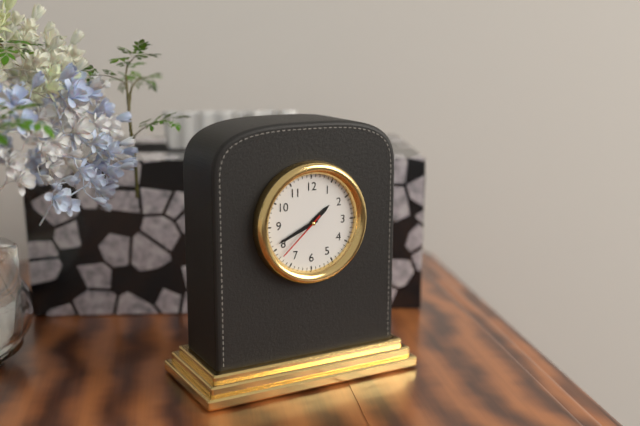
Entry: h=1 m=41 s=38
